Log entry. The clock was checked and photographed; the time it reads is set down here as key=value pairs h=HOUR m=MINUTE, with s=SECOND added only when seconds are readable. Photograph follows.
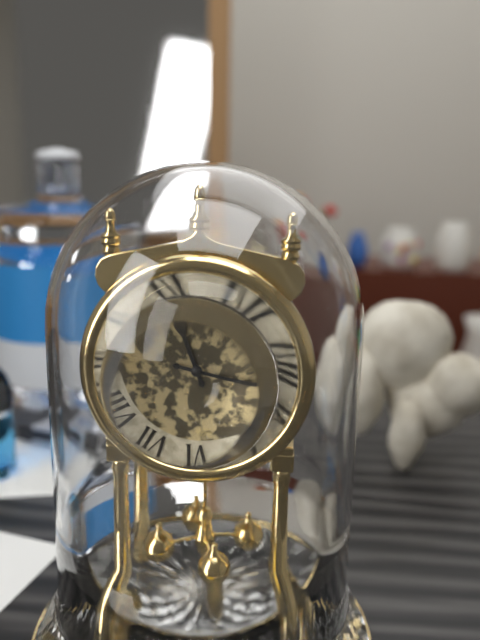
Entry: h=11 m=17
